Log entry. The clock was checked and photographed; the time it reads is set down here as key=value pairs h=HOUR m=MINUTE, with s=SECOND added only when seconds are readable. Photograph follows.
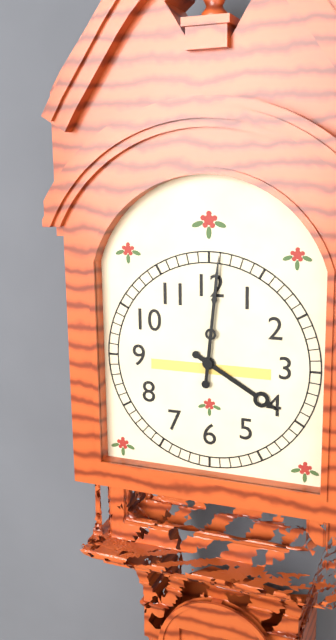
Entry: h=4 m=1
